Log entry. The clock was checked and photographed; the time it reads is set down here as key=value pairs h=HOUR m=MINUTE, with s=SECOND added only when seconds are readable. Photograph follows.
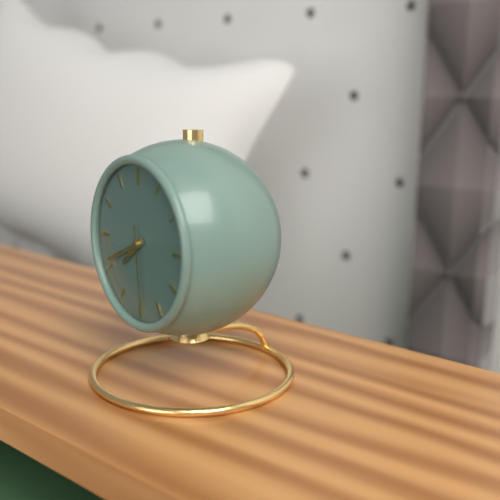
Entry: h=7 m=41 s=29
